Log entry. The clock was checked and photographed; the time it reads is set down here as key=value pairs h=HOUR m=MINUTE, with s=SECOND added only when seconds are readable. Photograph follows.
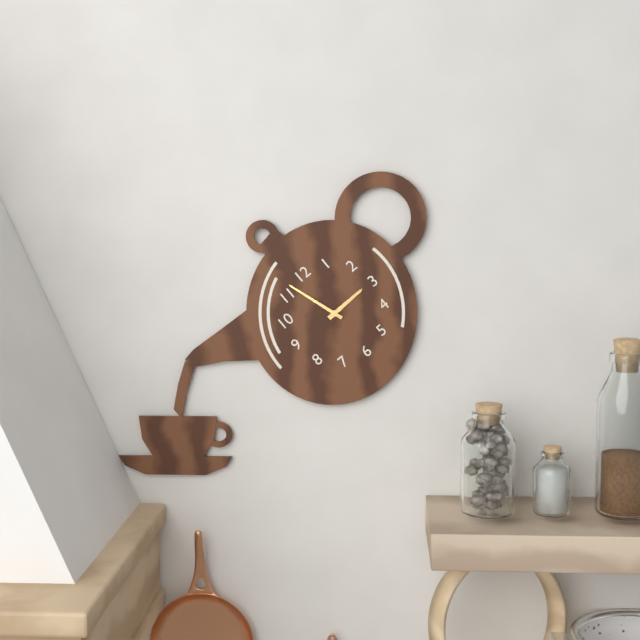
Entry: h=2 m=57
